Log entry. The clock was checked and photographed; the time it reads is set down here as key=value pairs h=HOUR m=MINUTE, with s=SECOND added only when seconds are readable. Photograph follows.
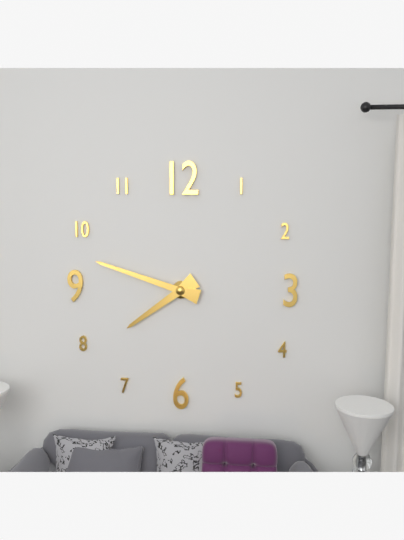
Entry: h=7 m=48
